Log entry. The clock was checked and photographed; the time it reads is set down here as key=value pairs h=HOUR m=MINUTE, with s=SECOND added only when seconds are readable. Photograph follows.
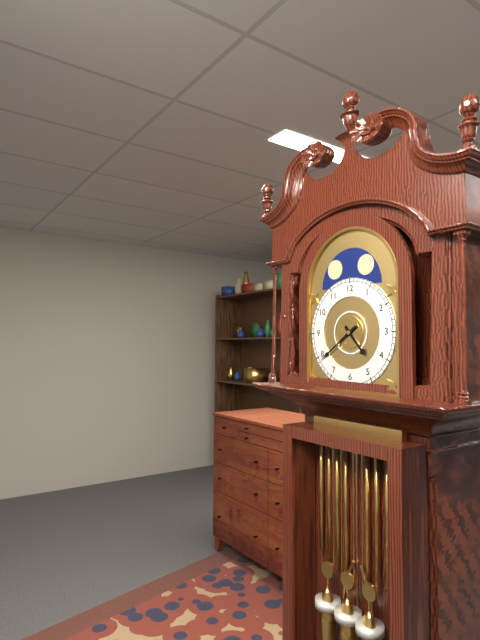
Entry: h=4 m=39
